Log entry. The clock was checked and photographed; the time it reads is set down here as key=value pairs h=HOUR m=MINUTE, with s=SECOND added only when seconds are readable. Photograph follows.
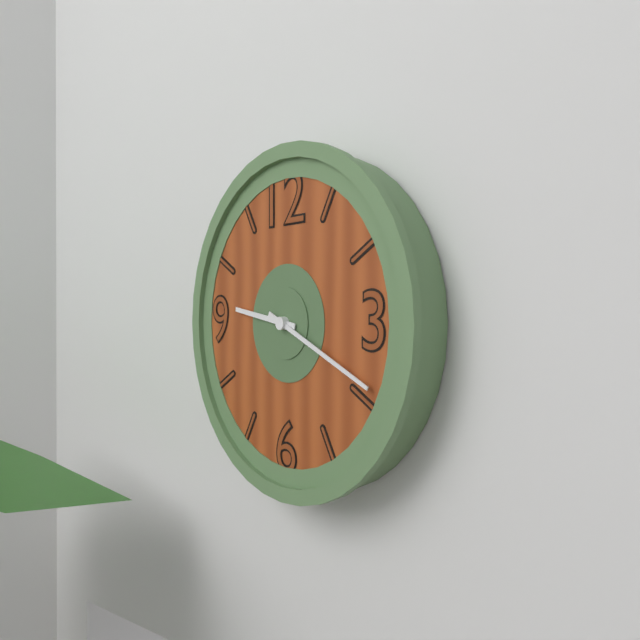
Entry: h=9 m=19
